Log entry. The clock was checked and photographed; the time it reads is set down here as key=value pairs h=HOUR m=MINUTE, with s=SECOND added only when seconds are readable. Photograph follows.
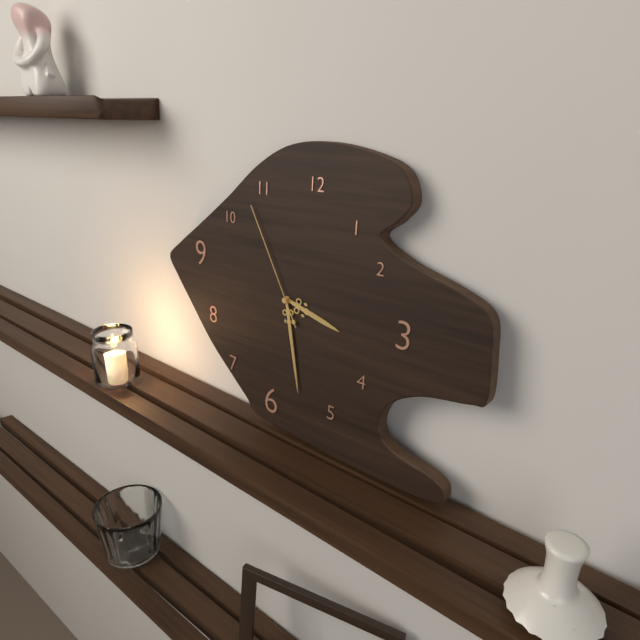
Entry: h=3 m=28 s=55
